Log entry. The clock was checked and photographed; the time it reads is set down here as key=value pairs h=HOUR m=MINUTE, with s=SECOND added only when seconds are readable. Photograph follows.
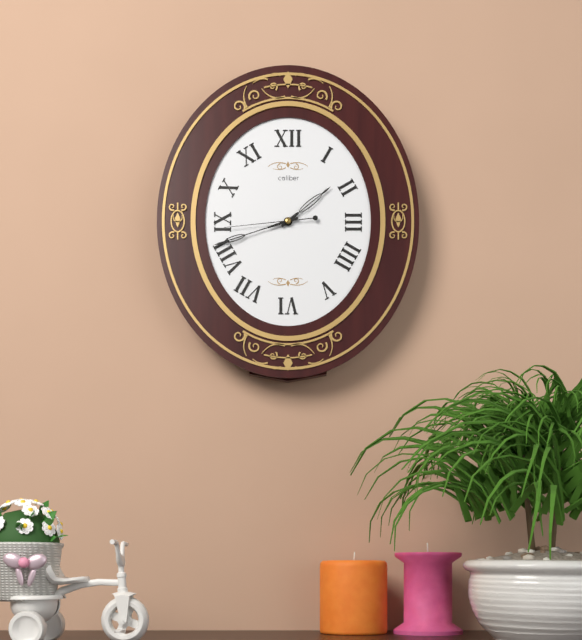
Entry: h=1 m=42 s=44
